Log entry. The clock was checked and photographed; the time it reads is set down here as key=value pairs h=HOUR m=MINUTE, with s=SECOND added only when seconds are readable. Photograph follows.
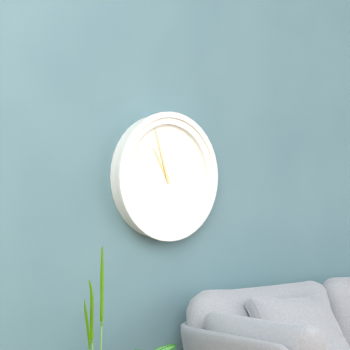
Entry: h=10 m=57
